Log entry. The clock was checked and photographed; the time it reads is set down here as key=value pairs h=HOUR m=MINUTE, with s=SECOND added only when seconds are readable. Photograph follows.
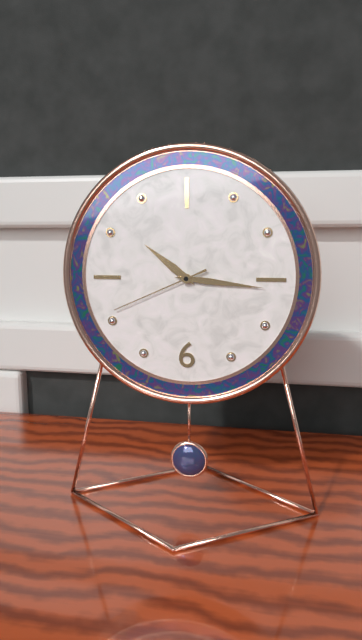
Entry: h=10 m=16 s=41
